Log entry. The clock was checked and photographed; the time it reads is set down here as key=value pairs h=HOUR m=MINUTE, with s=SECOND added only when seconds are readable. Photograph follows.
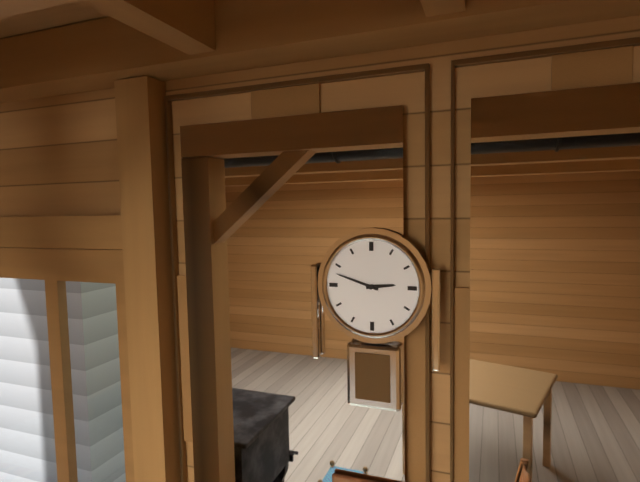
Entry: h=2 m=48
